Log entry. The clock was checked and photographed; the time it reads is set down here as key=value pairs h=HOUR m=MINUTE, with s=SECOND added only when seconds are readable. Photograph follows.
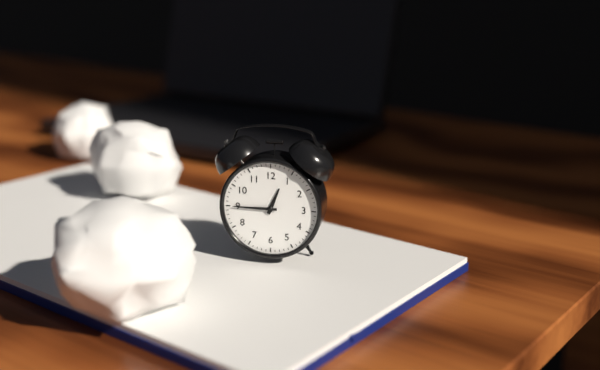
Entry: h=12 m=45
